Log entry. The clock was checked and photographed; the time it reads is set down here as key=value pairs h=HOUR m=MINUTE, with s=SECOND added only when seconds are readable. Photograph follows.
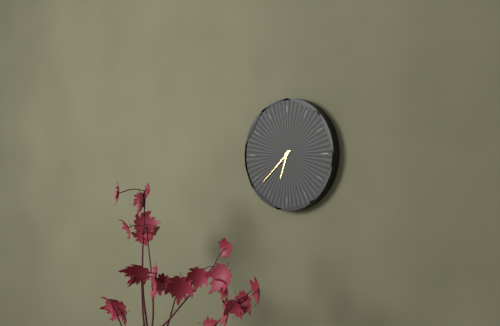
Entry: h=6 m=38
